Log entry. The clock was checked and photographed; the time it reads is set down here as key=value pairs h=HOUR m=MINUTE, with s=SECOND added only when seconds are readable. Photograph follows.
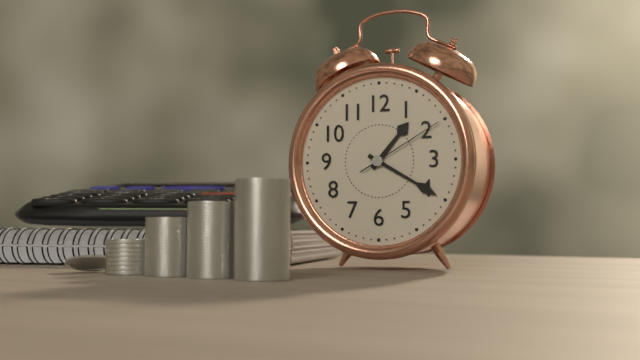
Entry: h=1 m=20 s=10
